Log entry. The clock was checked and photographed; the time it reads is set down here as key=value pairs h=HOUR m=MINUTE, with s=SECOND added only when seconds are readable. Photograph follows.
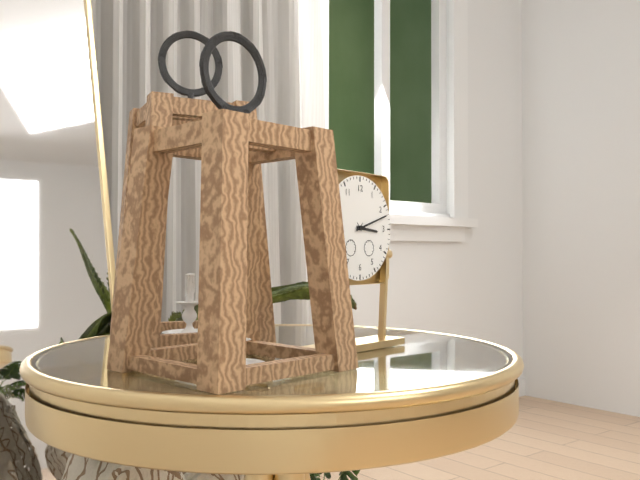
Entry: h=3 m=12
